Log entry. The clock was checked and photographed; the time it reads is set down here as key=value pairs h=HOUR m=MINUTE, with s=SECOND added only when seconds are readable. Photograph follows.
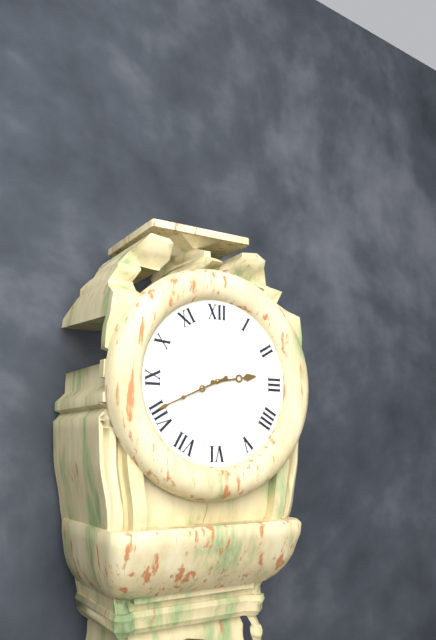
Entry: h=2 m=41
